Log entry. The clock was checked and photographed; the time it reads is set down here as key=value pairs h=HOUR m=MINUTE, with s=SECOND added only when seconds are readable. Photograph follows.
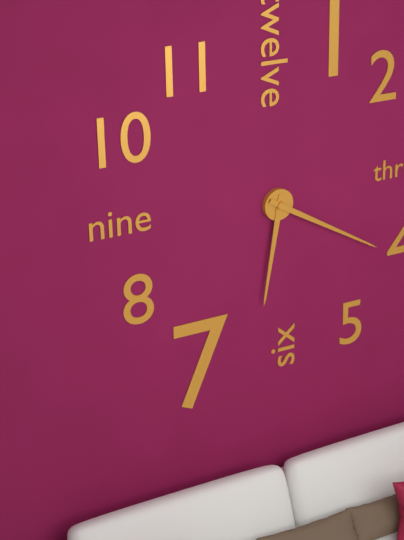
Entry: h=6 m=20
